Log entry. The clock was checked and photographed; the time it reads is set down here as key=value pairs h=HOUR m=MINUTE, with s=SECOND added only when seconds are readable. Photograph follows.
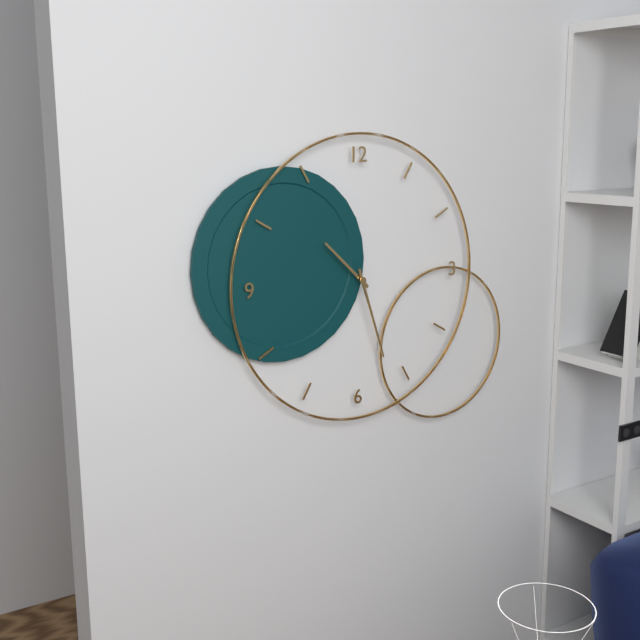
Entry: h=10 m=27
